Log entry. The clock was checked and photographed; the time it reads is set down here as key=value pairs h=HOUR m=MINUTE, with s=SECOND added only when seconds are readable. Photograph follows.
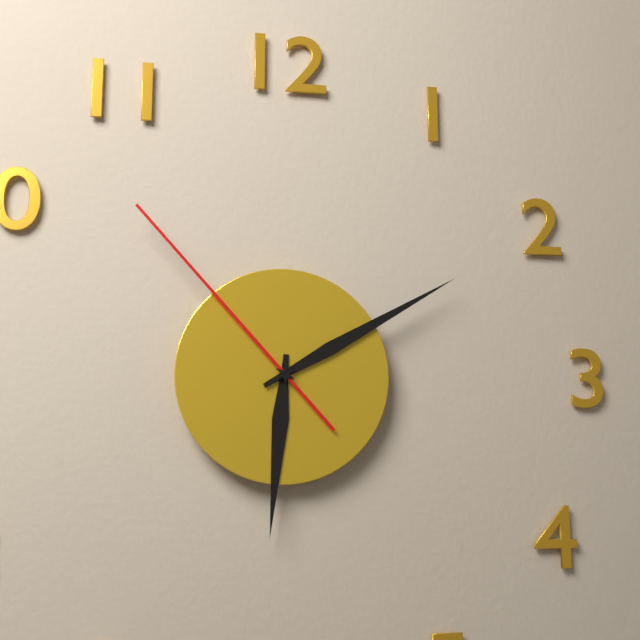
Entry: h=6 m=10 s=53
